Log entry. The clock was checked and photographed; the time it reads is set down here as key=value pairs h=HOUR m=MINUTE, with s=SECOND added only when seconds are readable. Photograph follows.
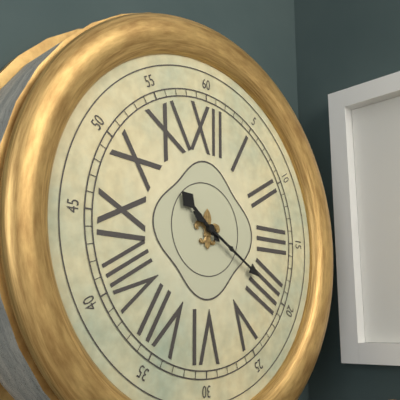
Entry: h=10 m=20
